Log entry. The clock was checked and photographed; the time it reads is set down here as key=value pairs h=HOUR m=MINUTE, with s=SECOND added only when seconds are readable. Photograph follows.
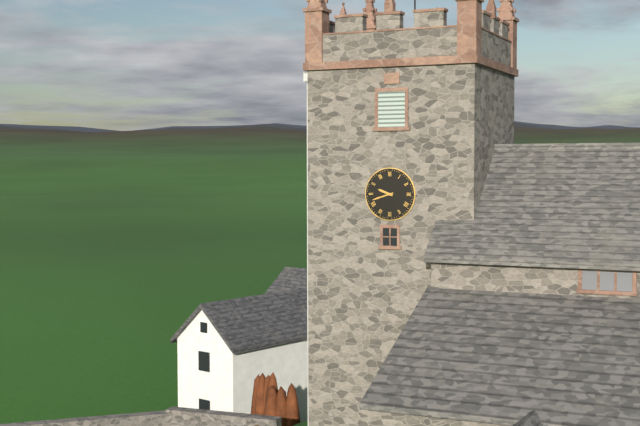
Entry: h=9 m=42
